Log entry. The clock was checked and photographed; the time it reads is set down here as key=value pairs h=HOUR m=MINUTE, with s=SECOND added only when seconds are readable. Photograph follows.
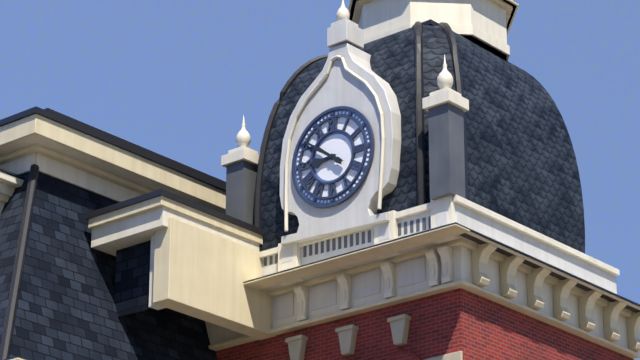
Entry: h=8 m=51
